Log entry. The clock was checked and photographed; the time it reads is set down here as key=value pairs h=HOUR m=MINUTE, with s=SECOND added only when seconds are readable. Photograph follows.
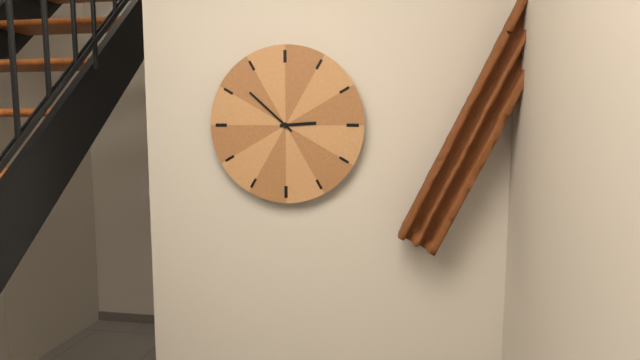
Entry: h=2 m=52
